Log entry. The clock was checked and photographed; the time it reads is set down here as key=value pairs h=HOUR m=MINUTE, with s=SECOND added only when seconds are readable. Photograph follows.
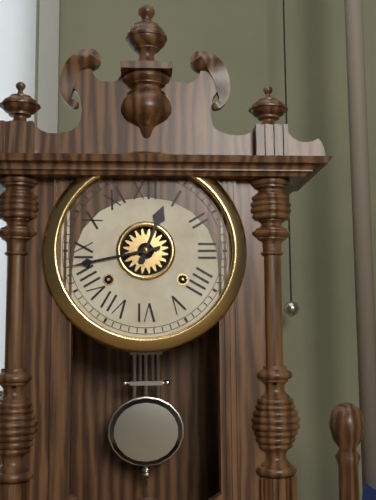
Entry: h=12 m=43
